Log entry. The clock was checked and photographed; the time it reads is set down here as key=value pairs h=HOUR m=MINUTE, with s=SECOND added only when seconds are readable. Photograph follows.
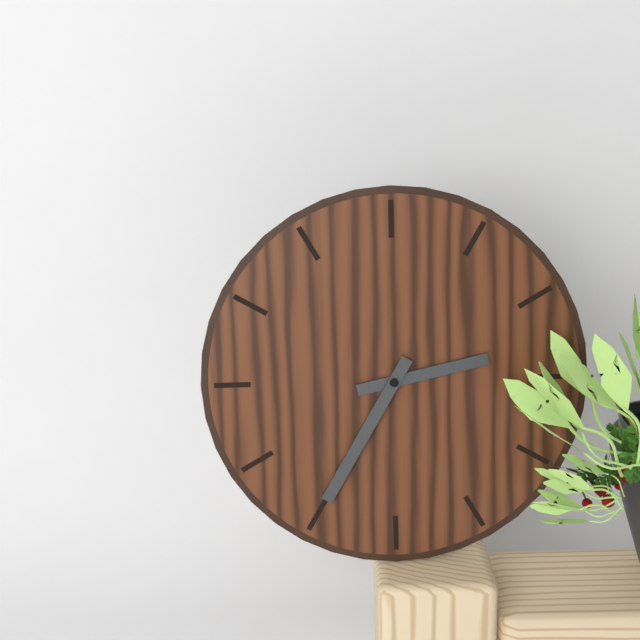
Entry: h=2 m=35
